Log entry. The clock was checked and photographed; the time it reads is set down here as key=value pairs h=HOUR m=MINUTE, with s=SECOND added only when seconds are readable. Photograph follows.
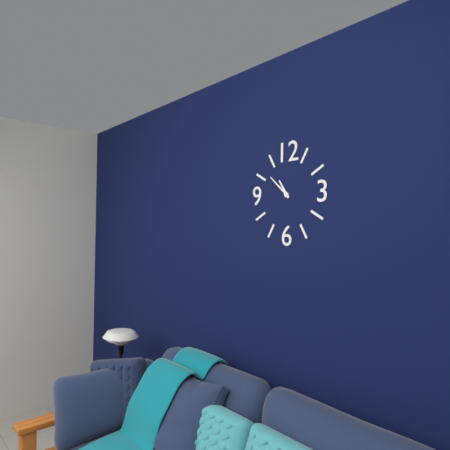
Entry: h=10 m=52
